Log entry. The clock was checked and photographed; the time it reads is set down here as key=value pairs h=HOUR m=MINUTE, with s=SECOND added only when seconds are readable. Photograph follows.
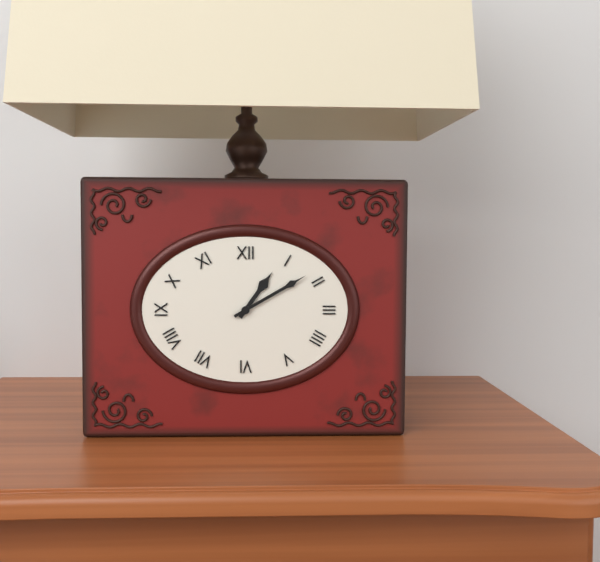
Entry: h=1 m=10
